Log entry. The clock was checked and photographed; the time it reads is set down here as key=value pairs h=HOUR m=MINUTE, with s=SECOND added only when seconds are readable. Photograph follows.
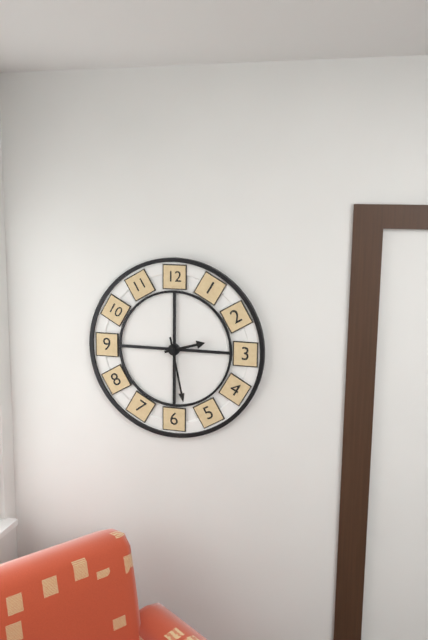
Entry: h=2 m=28
